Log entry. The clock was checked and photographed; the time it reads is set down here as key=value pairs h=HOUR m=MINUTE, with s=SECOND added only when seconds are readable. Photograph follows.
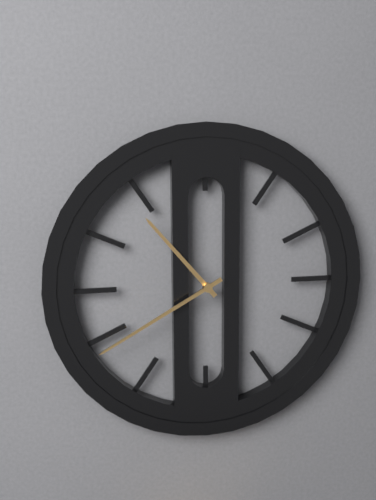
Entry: h=10 m=40
